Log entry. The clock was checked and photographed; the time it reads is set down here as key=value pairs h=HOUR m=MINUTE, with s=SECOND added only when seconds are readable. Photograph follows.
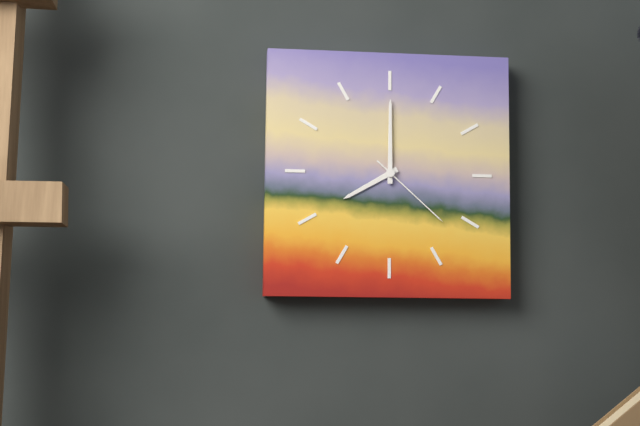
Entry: h=8 m=0 s=22
